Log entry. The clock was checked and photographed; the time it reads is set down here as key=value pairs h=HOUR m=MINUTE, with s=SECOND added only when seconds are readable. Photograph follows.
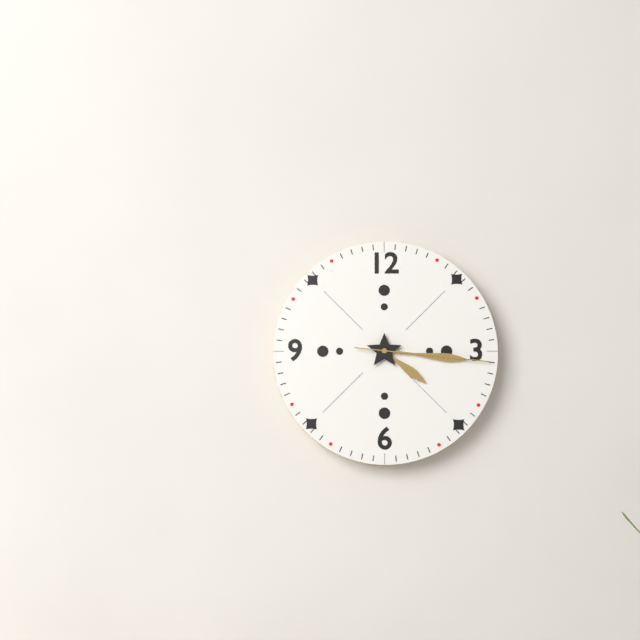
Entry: h=4 m=16 s=16
